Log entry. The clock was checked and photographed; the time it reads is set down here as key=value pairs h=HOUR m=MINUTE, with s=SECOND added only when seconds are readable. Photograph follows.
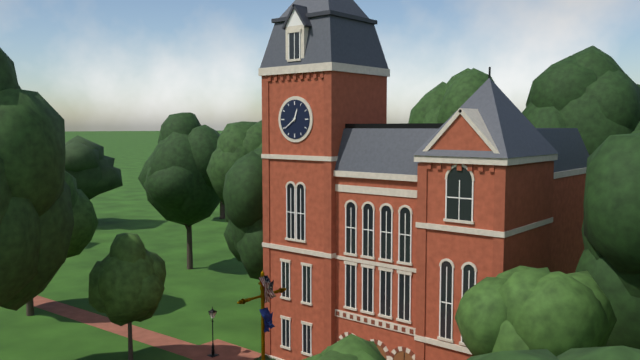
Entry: h=12 m=39
